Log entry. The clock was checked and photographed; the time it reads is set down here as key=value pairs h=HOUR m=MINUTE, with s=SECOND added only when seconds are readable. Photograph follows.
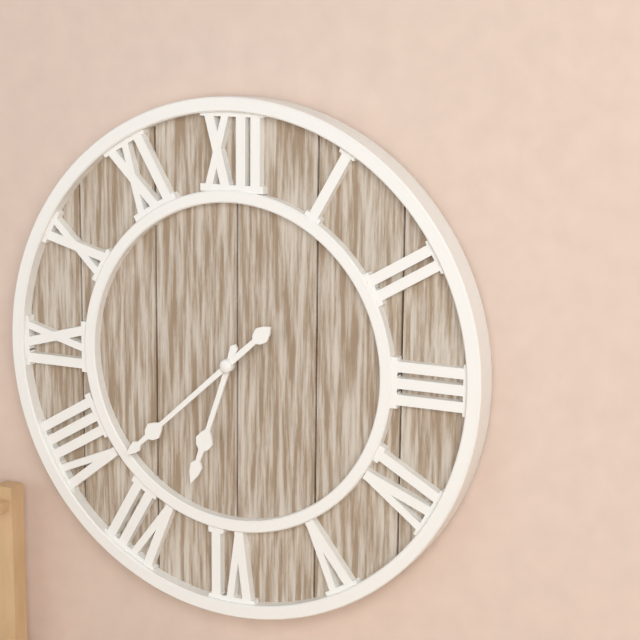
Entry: h=6 m=38
